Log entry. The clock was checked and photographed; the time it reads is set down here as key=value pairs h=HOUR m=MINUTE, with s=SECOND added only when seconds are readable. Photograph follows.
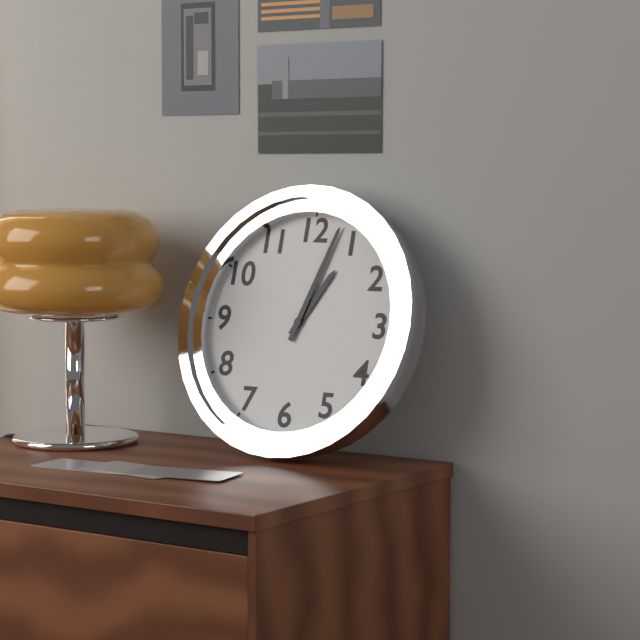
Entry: h=1 m=3
